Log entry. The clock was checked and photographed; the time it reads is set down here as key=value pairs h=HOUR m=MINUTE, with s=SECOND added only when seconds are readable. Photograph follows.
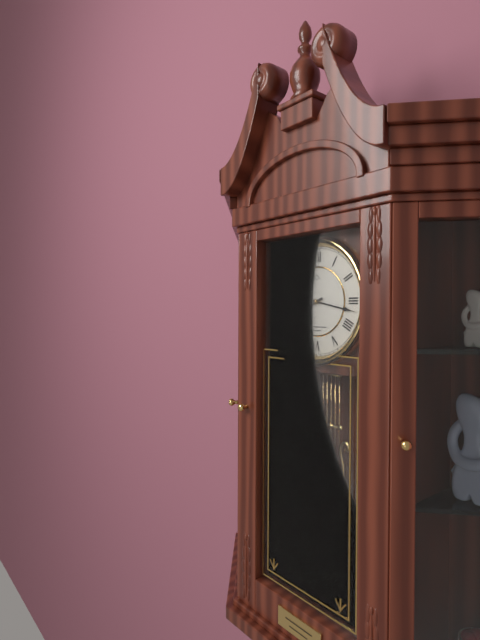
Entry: h=8 m=17
